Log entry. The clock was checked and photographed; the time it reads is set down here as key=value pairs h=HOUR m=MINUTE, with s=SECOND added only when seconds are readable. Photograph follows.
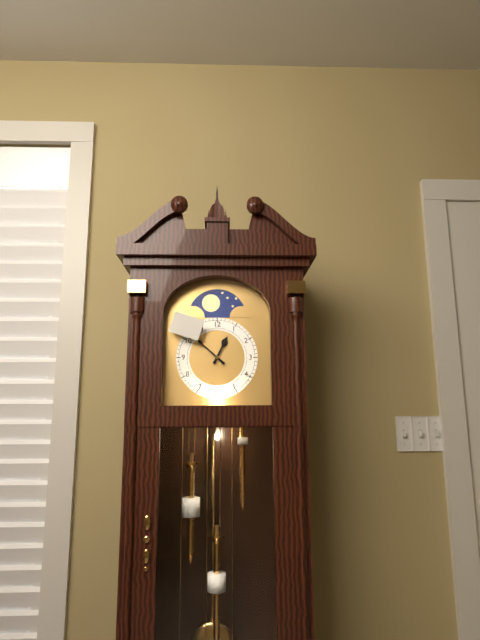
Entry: h=12 m=52
